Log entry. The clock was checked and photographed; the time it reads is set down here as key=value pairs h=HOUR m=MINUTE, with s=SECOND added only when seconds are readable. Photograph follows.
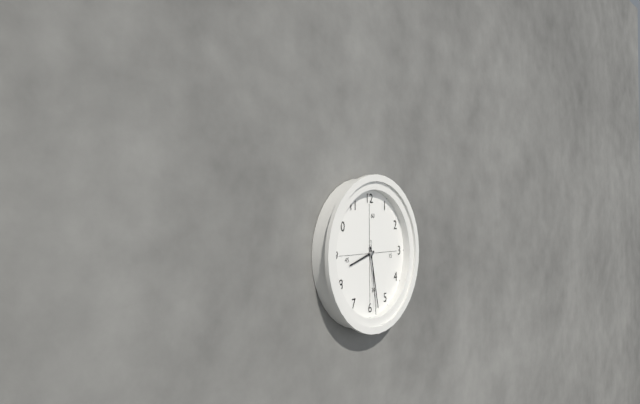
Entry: h=8 m=28 s=29
